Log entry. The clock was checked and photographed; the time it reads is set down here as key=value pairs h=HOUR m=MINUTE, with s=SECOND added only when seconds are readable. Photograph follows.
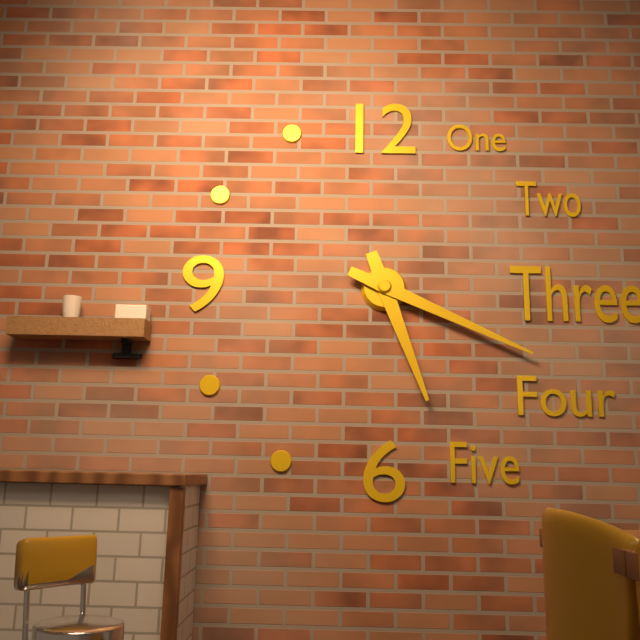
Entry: h=5 m=19
